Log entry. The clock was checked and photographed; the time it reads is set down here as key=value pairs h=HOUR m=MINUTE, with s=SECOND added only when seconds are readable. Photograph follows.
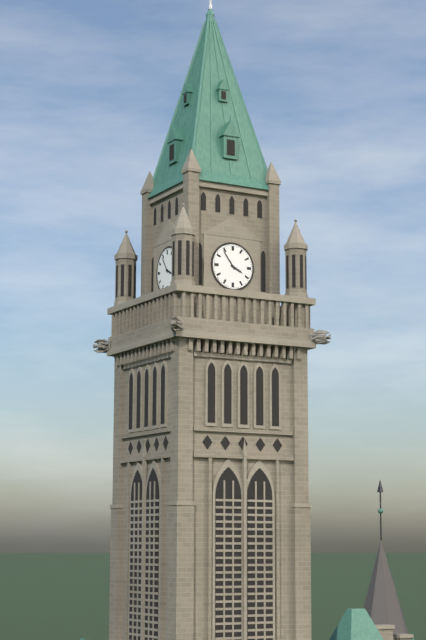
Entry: h=3 m=54
